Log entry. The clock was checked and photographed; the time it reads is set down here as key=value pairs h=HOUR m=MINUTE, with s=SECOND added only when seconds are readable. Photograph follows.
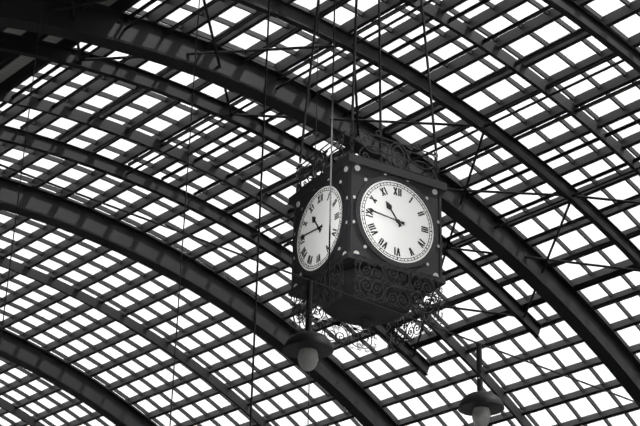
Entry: h=10 m=46
